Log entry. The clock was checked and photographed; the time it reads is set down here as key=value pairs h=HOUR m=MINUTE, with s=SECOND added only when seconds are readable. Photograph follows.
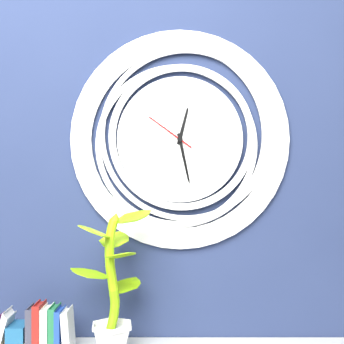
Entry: h=12 m=28 s=51
